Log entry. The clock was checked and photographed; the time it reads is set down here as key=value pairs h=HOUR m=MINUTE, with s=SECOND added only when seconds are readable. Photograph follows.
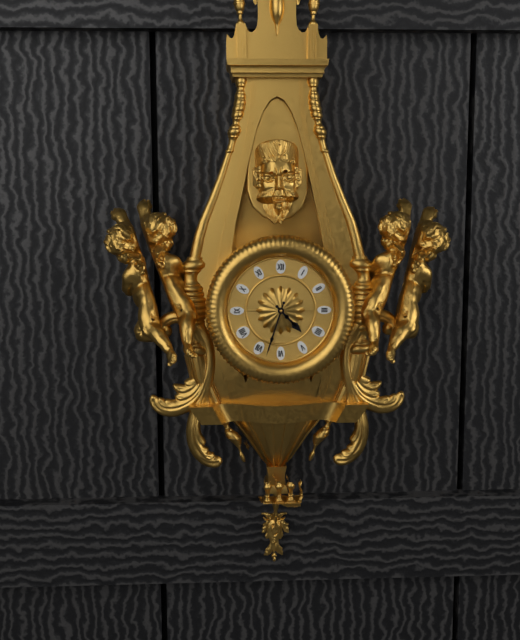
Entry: h=4 m=33
